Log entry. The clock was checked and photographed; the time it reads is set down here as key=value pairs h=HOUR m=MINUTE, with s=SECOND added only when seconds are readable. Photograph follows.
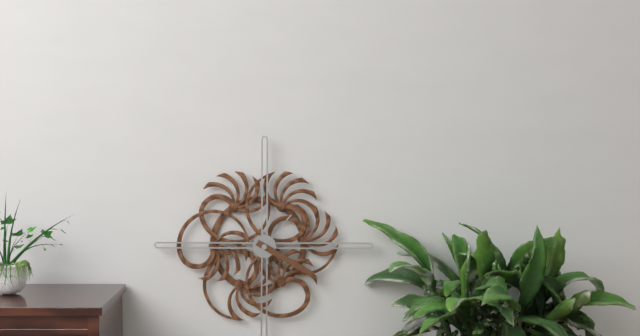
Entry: h=1 m=20
